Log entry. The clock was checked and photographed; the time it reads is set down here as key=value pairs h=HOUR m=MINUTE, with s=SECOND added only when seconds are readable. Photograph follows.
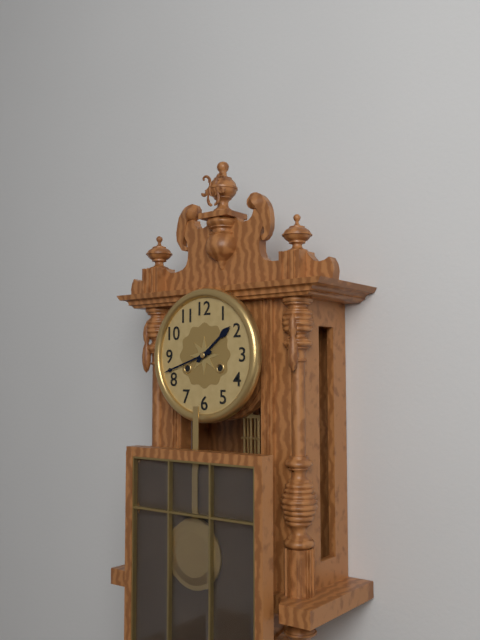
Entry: h=1 m=42
